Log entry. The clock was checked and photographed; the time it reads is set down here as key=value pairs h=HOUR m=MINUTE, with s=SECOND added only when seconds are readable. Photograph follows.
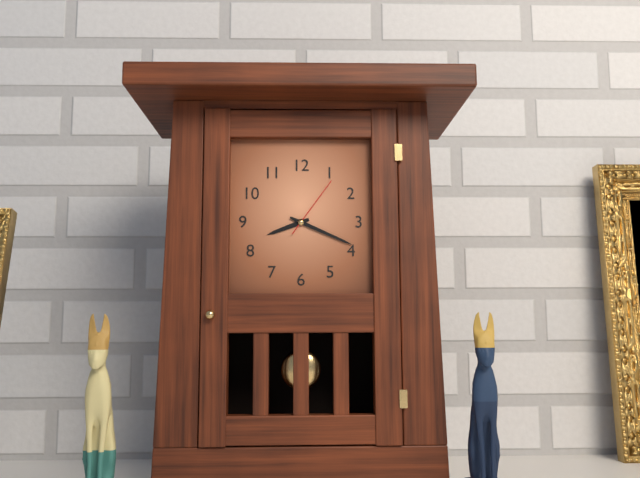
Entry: h=8 m=19 s=6
